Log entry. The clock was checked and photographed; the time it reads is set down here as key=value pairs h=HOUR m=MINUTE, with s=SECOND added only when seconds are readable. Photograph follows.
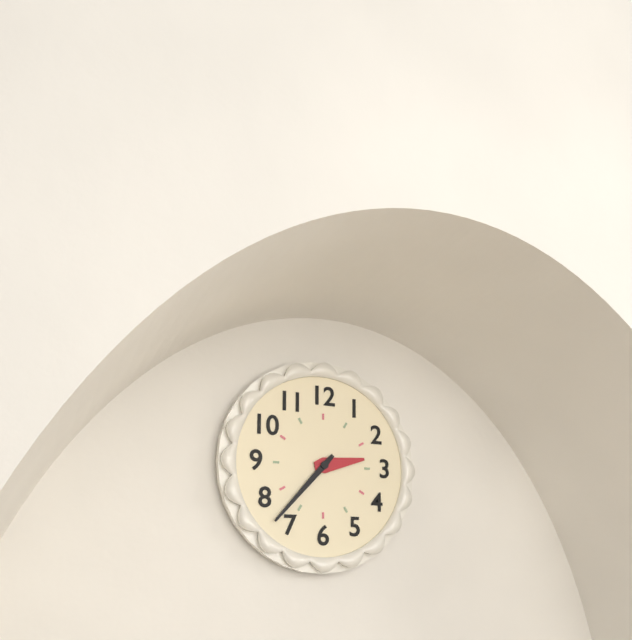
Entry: h=2 m=37
